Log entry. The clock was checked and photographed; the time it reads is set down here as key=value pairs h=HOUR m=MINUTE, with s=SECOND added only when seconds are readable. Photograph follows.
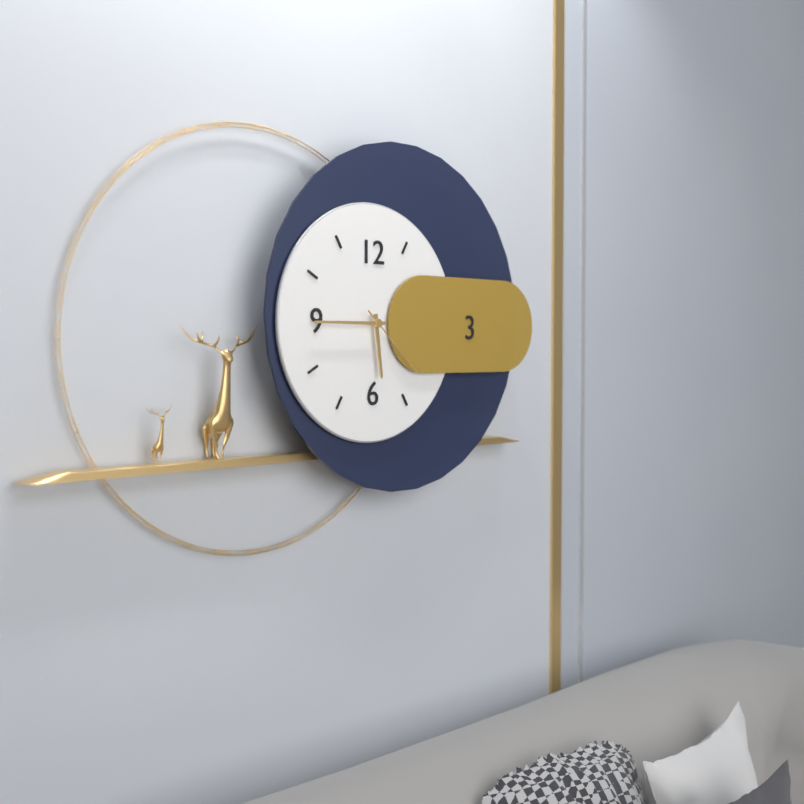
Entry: h=5 m=45 s=22
